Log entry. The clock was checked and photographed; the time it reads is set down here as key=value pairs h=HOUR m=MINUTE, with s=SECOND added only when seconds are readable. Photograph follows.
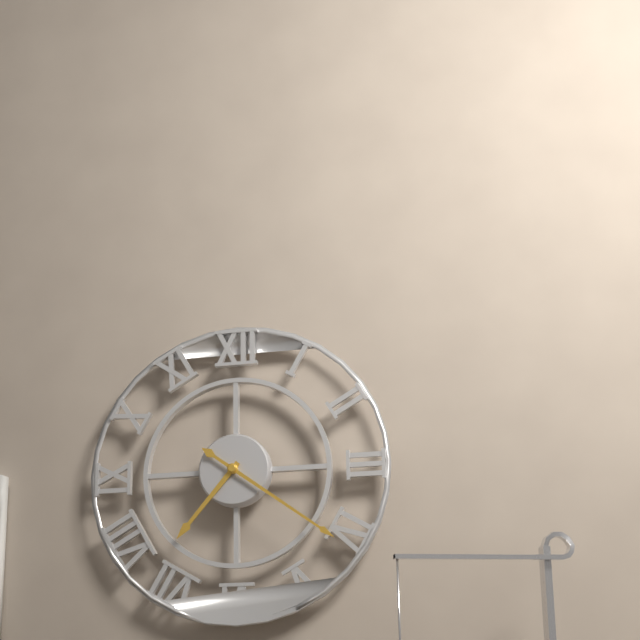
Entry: h=7 m=21
